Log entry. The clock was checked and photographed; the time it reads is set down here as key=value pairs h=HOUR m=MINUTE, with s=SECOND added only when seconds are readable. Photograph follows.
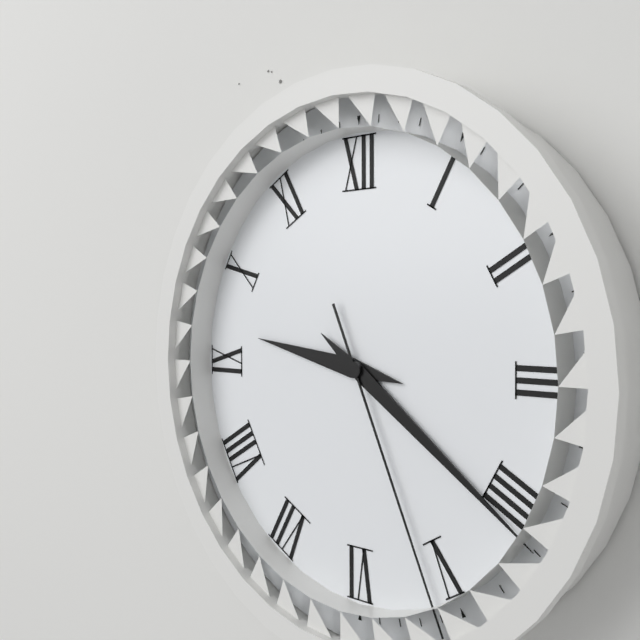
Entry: h=9 m=21 s=26
